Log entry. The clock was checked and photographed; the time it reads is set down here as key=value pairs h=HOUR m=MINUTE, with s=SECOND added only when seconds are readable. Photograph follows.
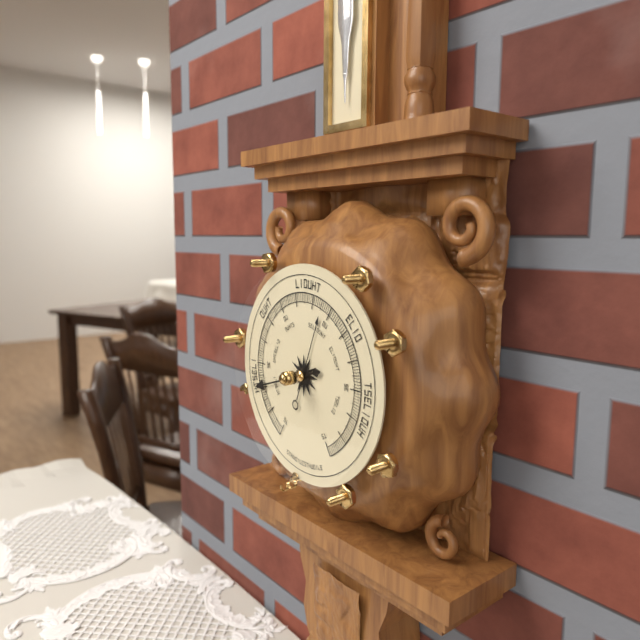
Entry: h=12 m=42
